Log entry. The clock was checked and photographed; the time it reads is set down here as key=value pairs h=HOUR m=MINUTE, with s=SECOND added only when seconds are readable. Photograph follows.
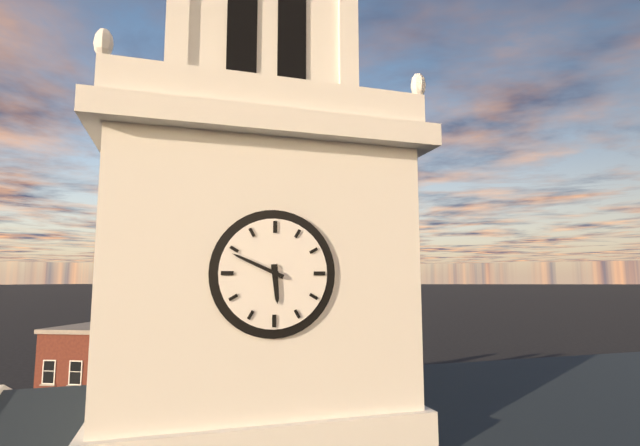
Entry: h=5 m=49
